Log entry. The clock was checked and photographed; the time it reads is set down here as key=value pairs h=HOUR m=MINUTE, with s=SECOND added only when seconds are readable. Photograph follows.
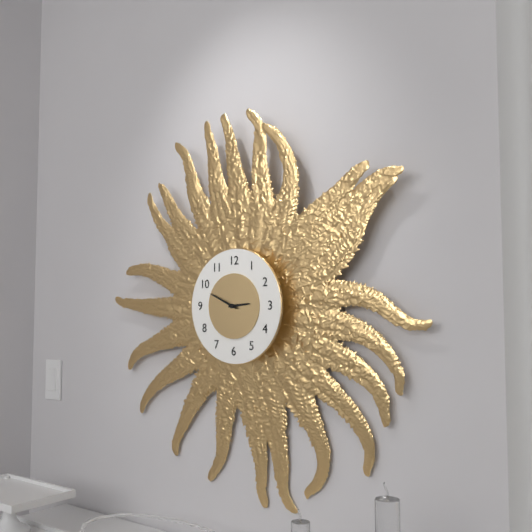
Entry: h=2 m=49
